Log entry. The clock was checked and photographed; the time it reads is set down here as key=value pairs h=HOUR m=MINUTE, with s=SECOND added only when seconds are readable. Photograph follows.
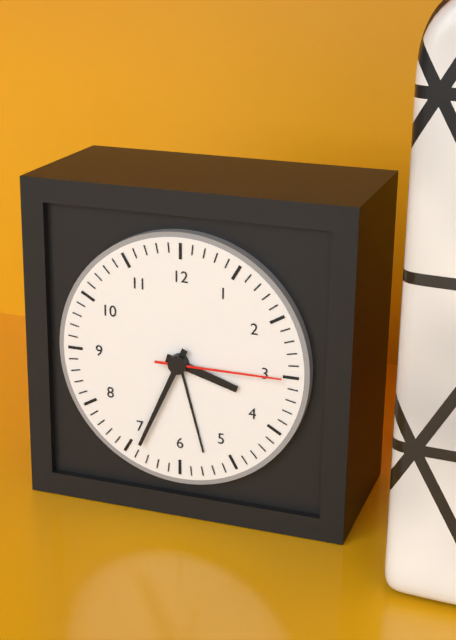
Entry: h=3 m=34 s=15
